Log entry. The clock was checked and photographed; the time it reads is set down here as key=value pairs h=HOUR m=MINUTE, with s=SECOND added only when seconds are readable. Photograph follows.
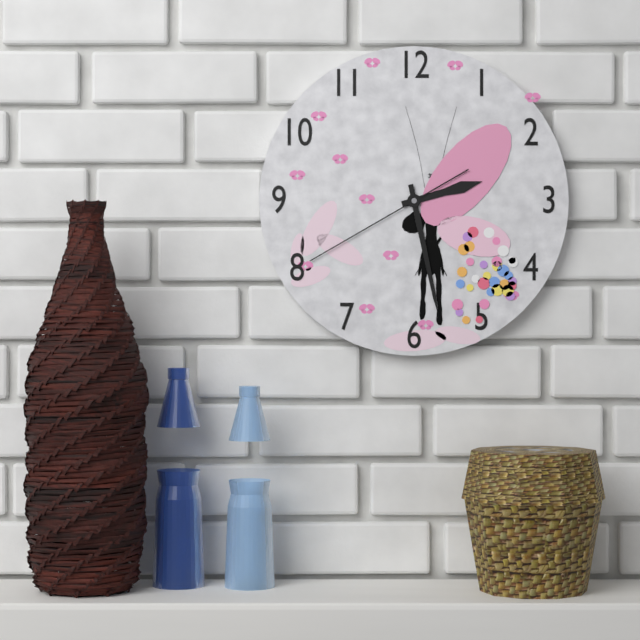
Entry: h=2 m=28 s=40
